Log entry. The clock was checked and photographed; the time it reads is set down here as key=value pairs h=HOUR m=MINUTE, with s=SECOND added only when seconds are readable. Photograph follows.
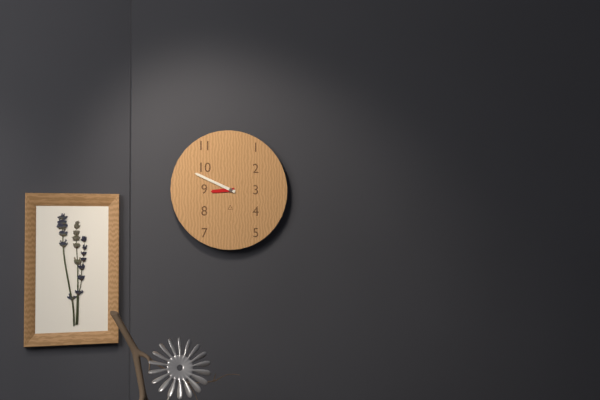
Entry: h=8 m=49
